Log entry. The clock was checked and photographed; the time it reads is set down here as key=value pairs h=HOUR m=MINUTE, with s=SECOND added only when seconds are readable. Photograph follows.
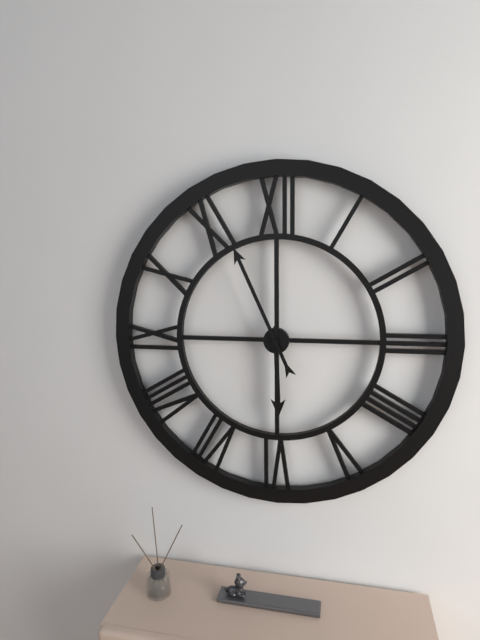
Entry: h=5 m=56
